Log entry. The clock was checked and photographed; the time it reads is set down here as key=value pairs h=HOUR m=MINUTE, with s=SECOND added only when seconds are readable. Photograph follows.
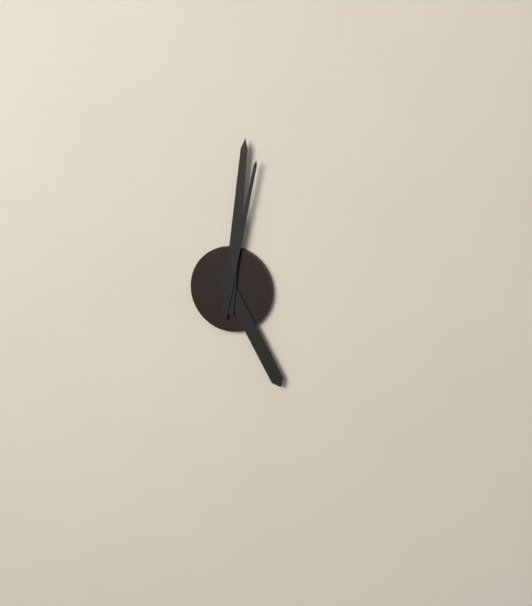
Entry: h=5 m=1 s=2
